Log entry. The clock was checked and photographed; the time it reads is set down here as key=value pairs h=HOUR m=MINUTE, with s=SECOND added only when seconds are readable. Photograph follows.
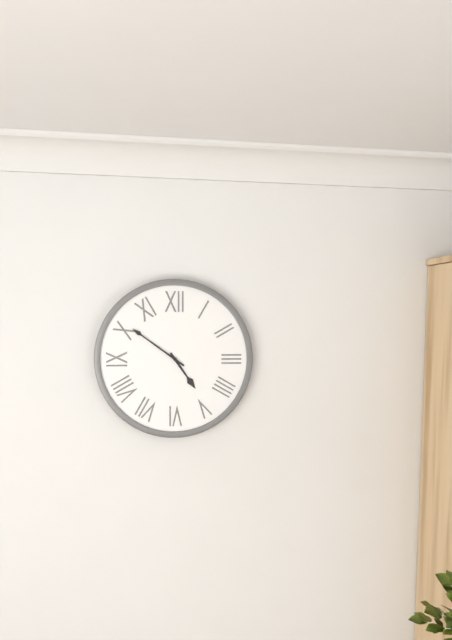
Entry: h=4 m=51
